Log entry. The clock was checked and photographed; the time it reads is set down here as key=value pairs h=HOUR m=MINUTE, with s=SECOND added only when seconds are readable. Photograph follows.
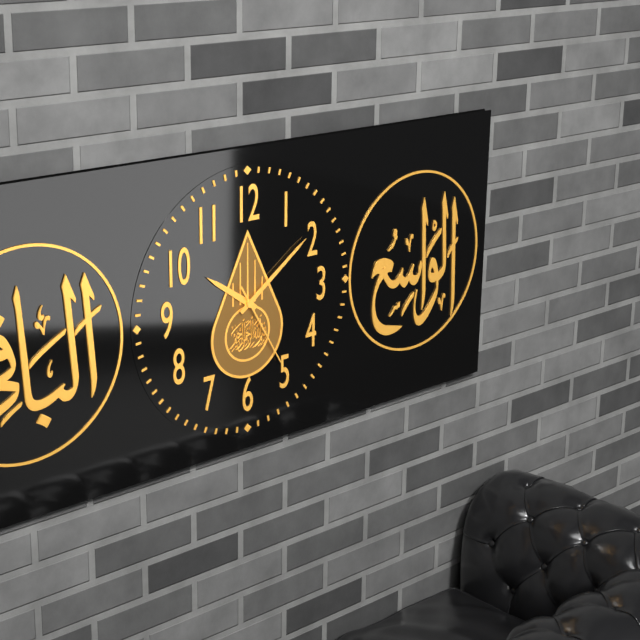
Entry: h=10 m=9 s=25
